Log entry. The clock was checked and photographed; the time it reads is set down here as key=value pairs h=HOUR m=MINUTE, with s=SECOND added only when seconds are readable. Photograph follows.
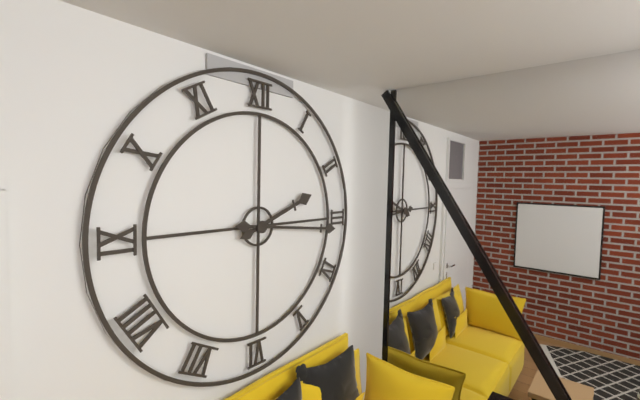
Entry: h=2 m=16
